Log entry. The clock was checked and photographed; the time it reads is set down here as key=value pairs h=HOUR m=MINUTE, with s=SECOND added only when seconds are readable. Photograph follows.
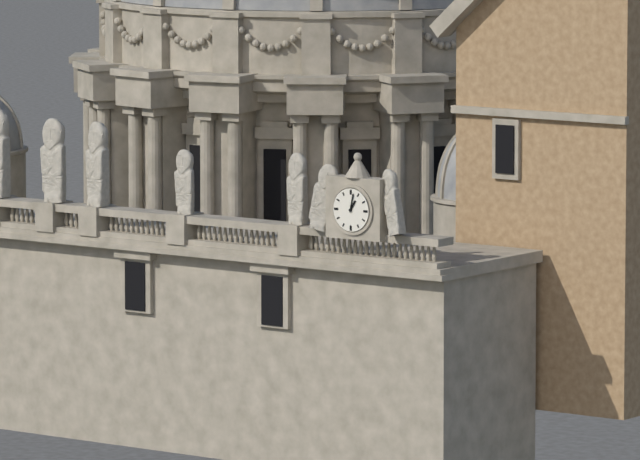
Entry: h=1 m=2
